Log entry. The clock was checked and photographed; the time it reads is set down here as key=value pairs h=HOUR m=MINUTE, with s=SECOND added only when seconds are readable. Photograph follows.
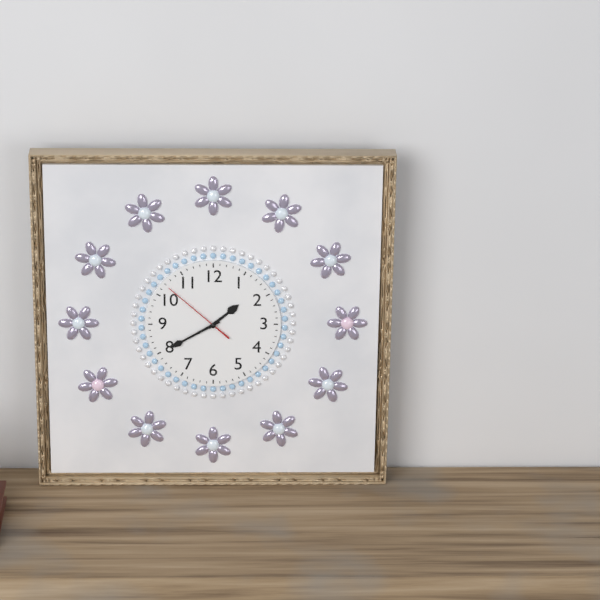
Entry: h=1 m=40 s=52
